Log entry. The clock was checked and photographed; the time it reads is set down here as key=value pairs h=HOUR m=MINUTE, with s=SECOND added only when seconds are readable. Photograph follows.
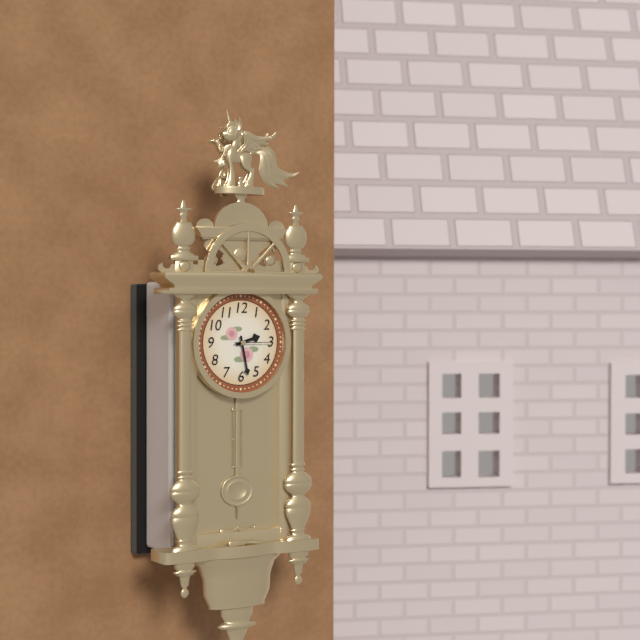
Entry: h=2 m=28
